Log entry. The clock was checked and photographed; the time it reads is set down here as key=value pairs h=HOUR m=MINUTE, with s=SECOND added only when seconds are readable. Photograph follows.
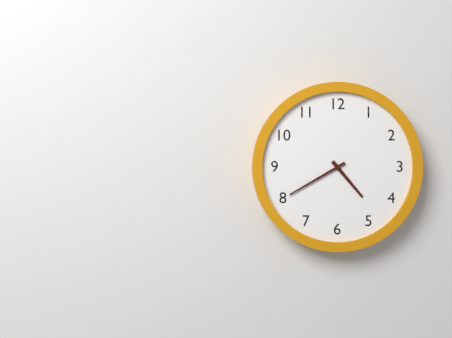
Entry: h=4 m=40
